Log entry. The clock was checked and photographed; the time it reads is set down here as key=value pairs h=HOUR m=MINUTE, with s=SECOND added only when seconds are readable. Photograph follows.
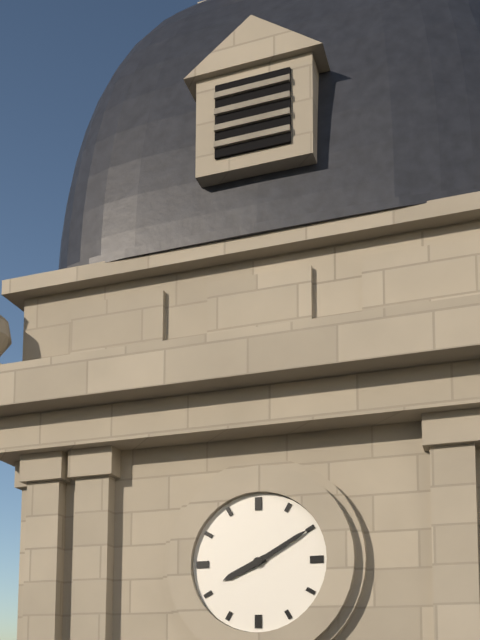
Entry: h=8 m=10
